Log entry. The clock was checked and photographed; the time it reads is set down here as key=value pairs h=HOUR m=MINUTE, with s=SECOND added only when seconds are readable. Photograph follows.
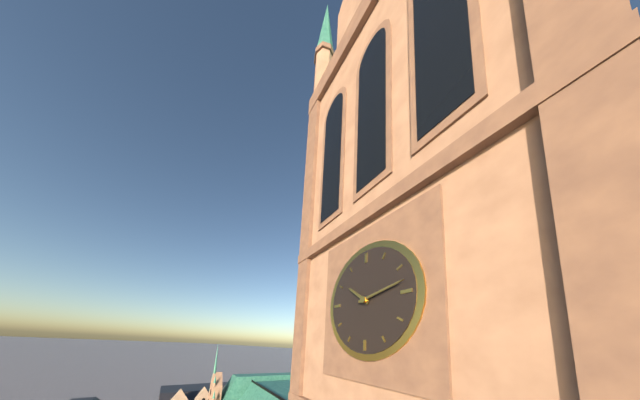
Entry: h=10 m=13
